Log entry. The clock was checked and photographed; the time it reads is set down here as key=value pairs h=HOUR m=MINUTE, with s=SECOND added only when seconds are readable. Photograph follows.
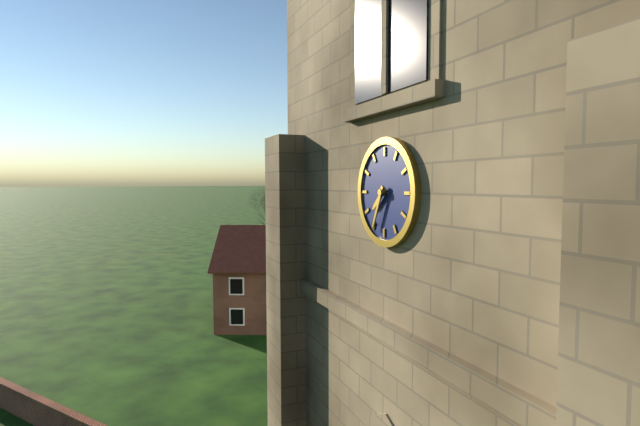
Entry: h=7 m=34
